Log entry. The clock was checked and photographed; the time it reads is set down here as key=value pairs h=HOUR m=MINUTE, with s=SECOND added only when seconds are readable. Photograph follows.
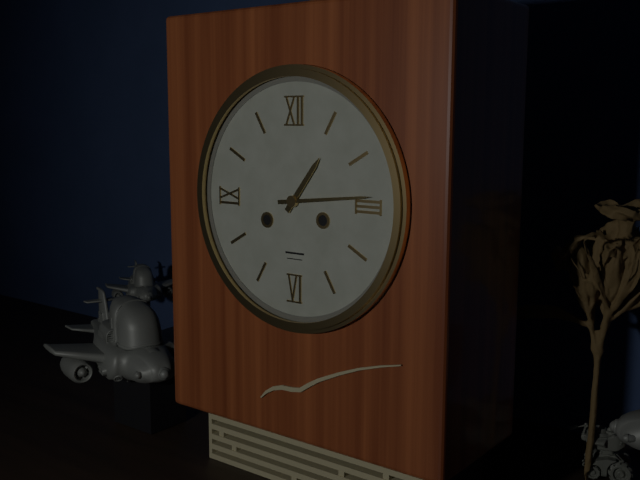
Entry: h=1 m=14
